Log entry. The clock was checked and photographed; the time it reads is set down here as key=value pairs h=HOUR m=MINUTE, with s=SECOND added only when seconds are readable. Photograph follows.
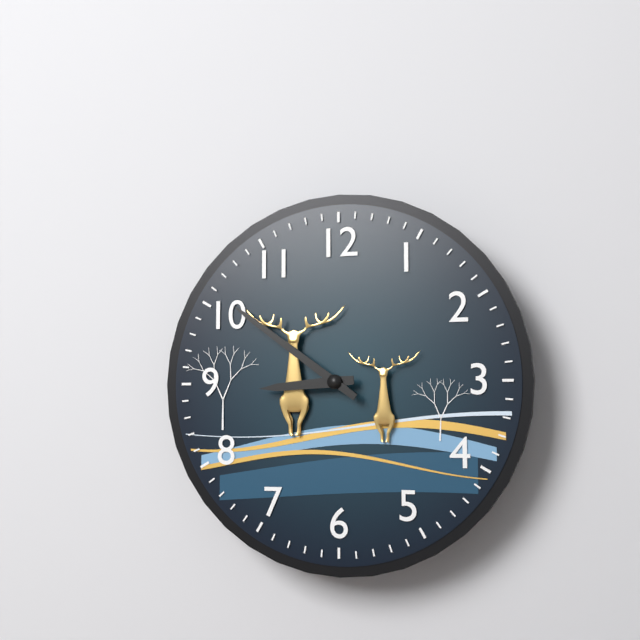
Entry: h=8 m=51
